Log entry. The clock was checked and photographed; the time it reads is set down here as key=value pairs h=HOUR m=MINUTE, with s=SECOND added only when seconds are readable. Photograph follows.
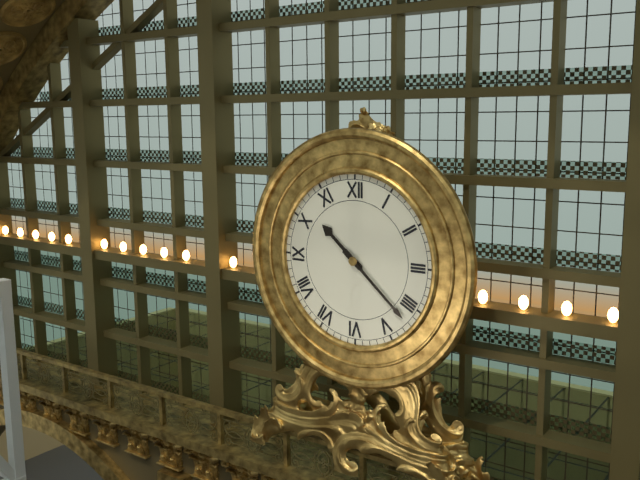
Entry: h=10 m=22
